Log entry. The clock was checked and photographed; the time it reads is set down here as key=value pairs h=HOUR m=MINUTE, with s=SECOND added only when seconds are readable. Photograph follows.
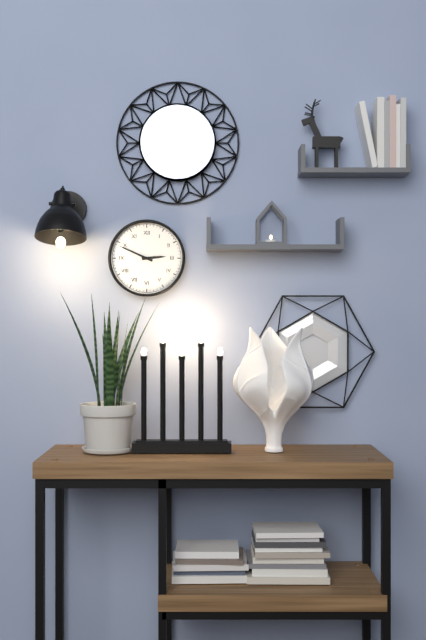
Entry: h=2 m=49
